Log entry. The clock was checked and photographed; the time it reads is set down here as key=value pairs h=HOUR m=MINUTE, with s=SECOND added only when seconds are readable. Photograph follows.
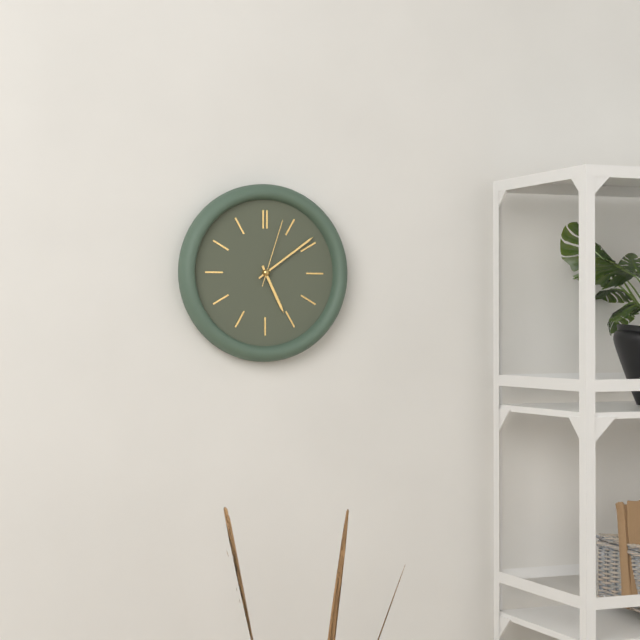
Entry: h=5 m=9 s=3
